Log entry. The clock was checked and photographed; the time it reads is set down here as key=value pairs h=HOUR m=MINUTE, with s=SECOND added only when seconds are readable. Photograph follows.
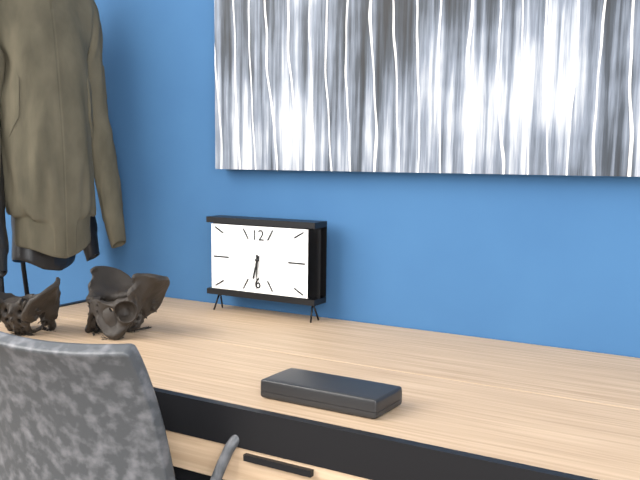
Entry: h=6 m=30
